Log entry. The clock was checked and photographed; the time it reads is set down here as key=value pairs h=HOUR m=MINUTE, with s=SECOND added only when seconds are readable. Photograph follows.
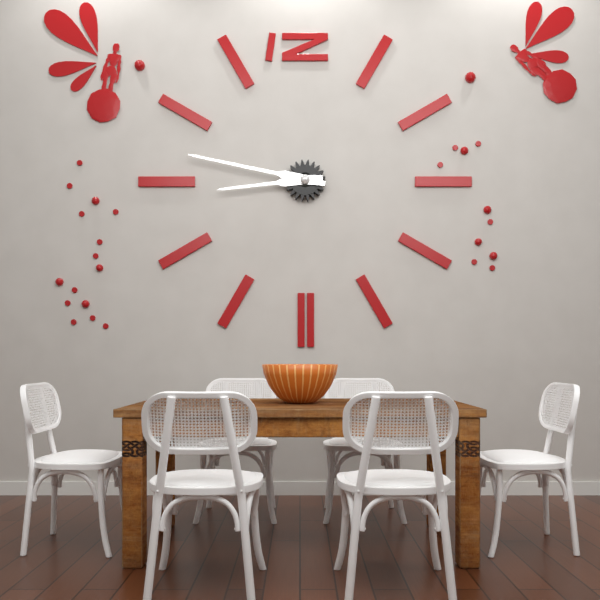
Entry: h=8 m=47
